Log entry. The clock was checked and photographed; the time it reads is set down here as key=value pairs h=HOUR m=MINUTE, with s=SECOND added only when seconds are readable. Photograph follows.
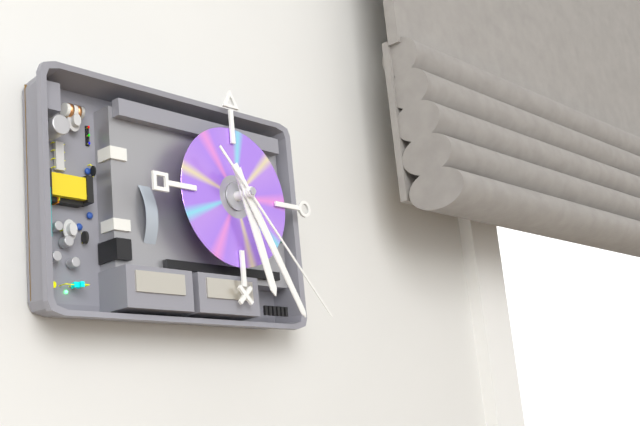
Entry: h=5 m=25 s=23
